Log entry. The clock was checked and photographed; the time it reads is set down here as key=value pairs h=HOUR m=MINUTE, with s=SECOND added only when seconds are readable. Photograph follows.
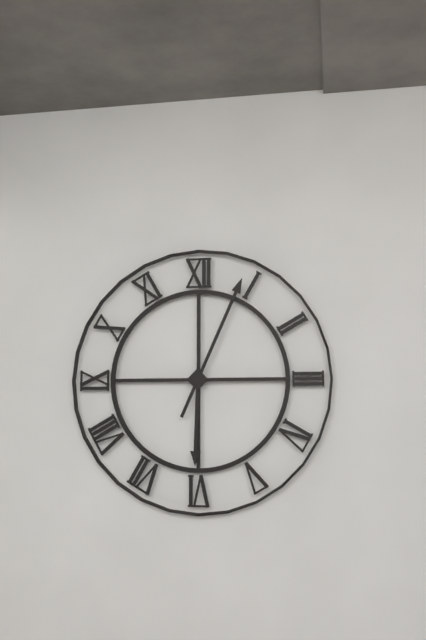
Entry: h=6 m=4
